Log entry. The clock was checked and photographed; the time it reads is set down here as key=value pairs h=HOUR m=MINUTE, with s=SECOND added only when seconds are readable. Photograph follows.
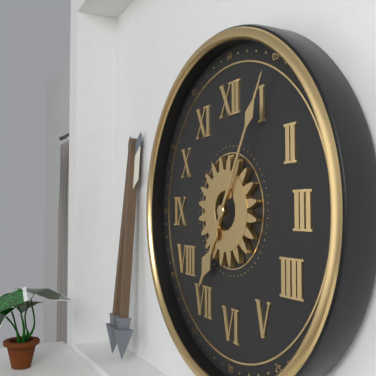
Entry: h=7 m=5
